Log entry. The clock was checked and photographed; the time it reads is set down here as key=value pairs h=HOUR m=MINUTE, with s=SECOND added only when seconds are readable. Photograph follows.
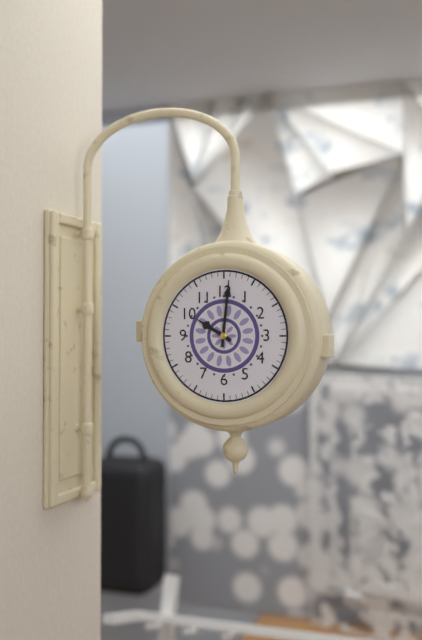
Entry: h=10 m=1
